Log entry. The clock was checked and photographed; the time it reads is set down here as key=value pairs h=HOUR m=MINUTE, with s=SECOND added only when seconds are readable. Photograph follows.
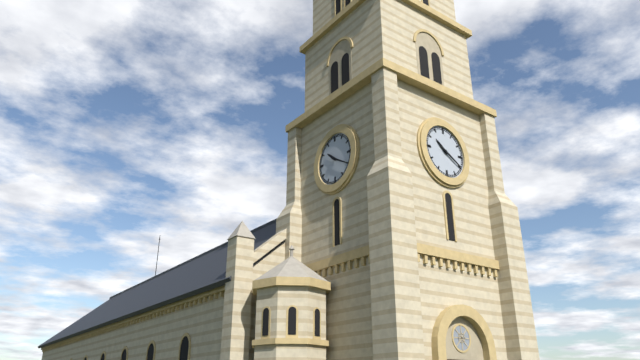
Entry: h=10 m=20
